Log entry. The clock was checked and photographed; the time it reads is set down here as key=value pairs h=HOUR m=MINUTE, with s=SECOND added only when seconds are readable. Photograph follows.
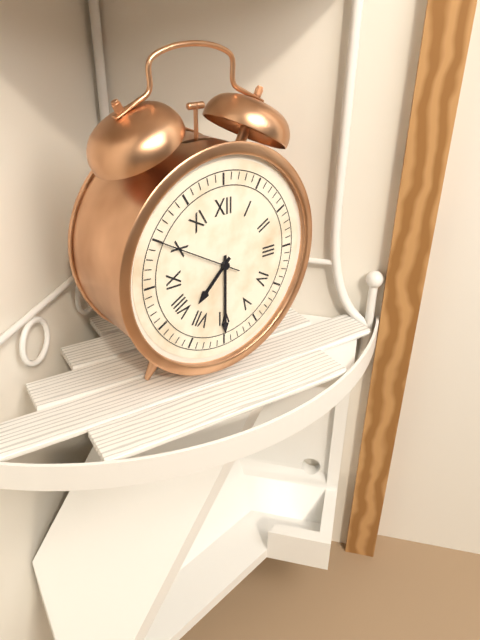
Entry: h=7 m=30 s=50
